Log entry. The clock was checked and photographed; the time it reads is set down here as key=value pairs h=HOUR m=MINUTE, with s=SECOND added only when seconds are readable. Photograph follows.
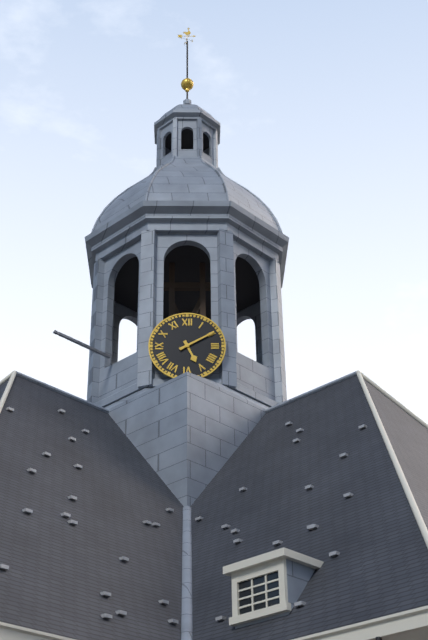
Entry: h=5 m=10
